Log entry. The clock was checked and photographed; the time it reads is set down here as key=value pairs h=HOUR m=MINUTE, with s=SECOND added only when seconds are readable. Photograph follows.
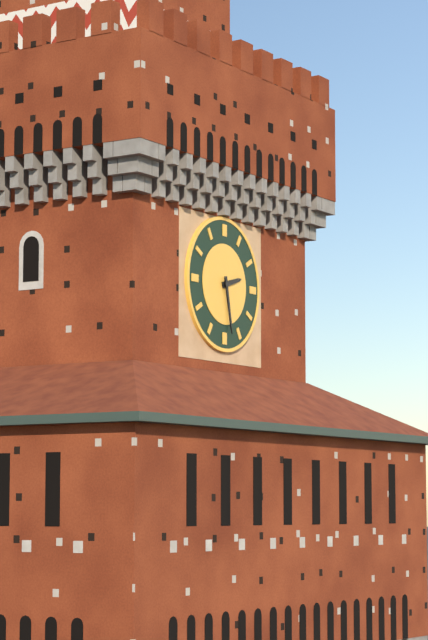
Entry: h=2 m=28
